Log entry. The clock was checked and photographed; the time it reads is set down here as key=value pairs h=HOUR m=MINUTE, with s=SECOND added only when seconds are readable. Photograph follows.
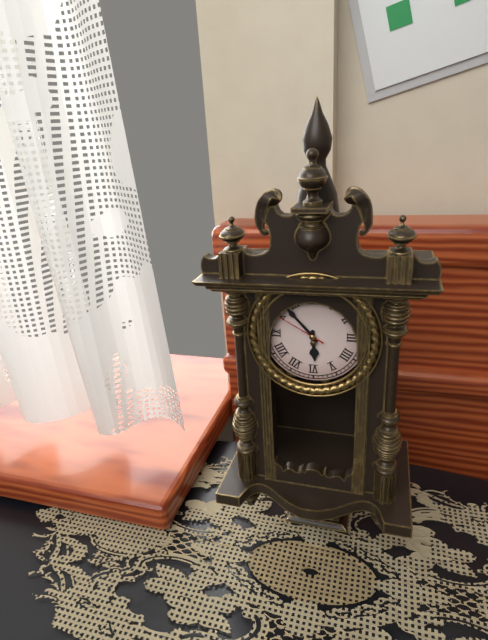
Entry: h=5 m=53 s=50
